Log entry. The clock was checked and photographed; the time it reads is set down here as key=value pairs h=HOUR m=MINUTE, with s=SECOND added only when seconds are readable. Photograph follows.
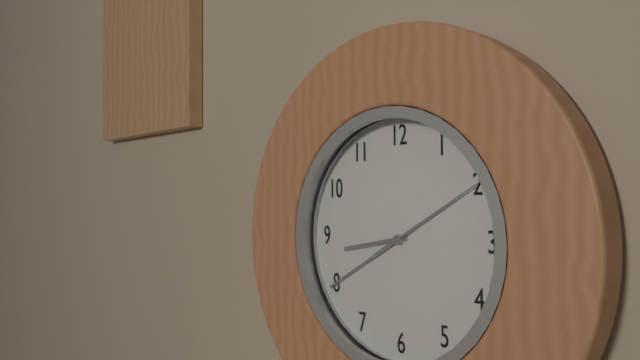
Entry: h=8 m=40 s=10
